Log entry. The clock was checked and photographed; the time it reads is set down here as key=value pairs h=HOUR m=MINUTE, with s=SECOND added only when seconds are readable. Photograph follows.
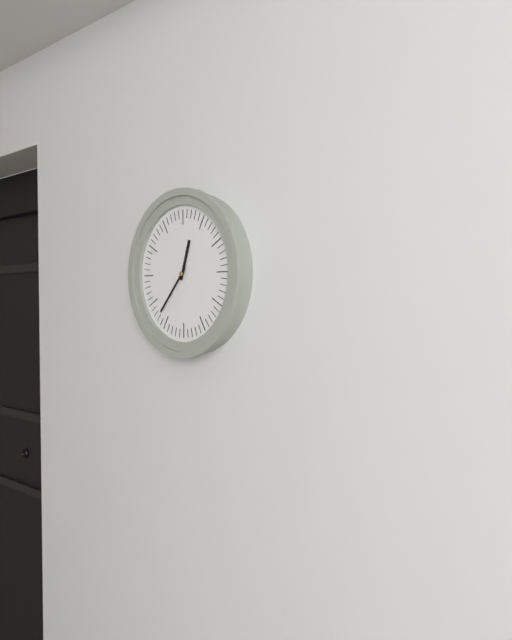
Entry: h=12 m=37
